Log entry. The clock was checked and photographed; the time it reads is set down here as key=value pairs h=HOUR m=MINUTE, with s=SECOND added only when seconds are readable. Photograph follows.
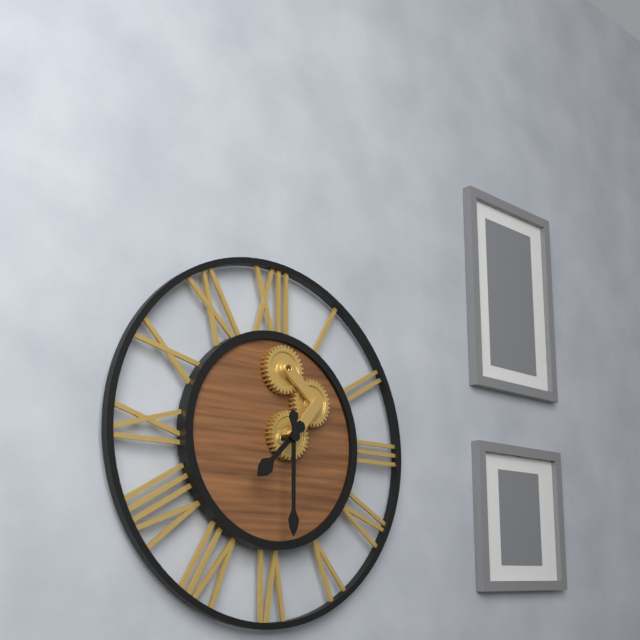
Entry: h=7 m=30
